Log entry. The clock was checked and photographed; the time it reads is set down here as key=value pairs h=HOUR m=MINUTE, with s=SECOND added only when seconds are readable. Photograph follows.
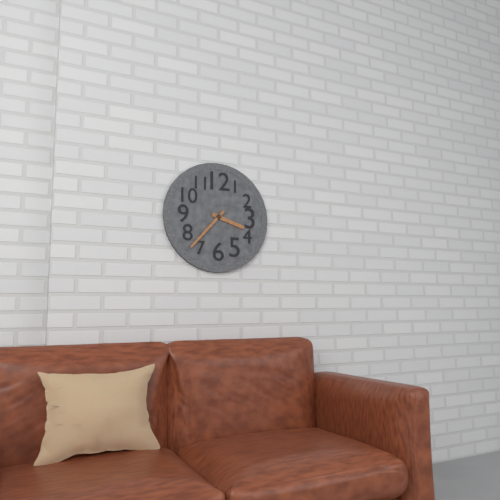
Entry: h=3 m=37
